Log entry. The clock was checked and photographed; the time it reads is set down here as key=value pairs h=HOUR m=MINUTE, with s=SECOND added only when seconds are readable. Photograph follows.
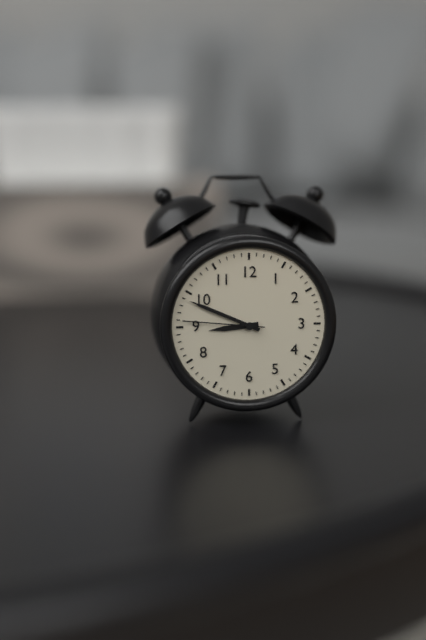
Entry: h=8 m=49 s=46
